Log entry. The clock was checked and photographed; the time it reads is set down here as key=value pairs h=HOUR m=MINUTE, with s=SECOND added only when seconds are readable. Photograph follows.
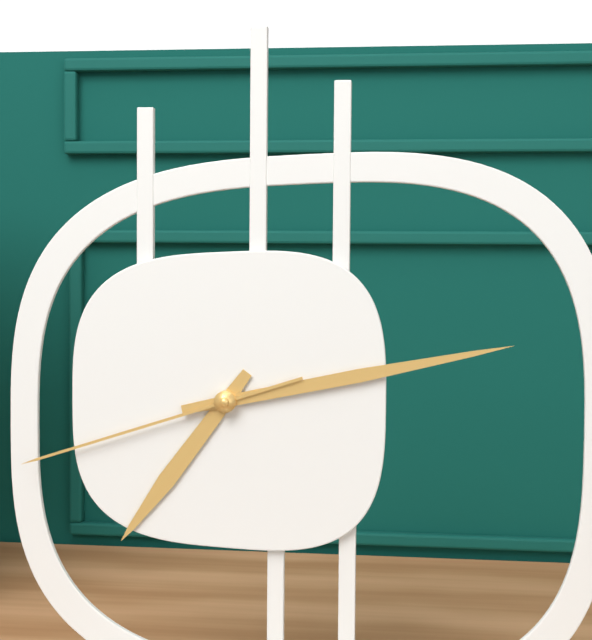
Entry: h=7 m=13 s=42
